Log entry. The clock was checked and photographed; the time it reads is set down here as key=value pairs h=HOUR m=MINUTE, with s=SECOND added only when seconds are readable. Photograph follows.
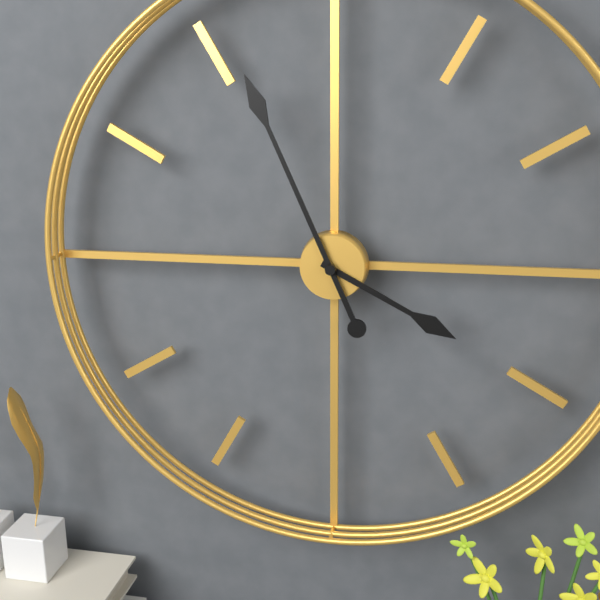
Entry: h=3 m=56
